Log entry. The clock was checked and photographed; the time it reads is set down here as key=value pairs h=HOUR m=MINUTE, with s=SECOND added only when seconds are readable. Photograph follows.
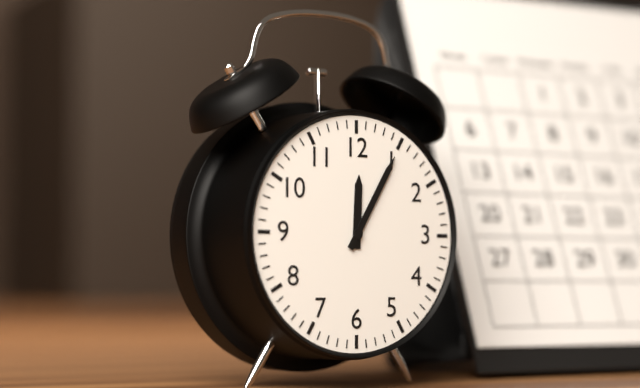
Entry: h=12 m=5
